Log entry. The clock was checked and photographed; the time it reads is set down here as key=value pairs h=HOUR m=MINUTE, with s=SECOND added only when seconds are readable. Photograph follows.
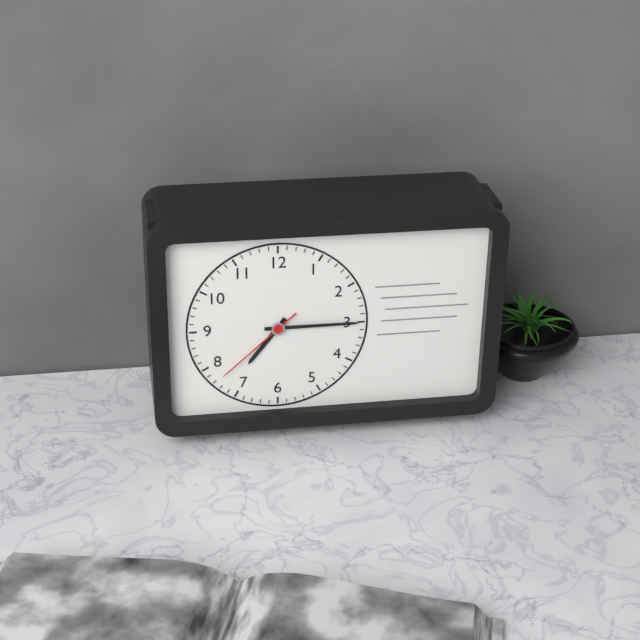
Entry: h=7 m=15 s=38
